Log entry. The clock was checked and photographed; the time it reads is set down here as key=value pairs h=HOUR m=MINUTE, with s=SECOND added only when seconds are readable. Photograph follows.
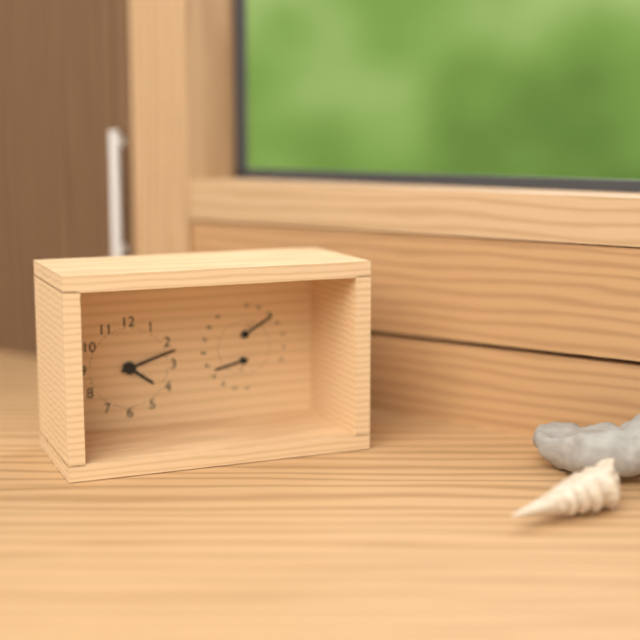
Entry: h=4 m=12
